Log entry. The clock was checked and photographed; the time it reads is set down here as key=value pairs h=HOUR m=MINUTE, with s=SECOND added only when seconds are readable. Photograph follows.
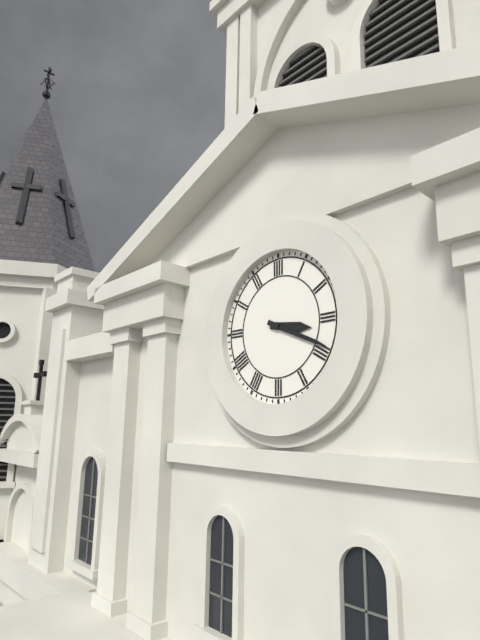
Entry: h=3 m=19
